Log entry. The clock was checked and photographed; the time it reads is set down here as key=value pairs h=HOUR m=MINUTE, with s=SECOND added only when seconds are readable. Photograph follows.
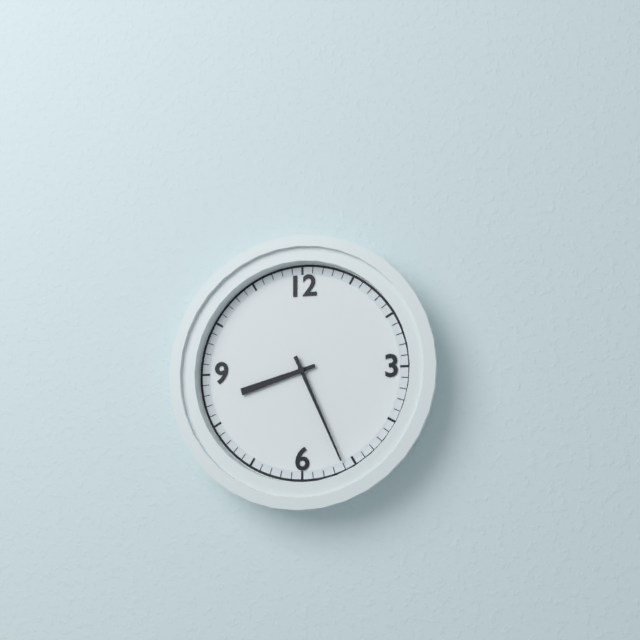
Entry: h=8 m=26
